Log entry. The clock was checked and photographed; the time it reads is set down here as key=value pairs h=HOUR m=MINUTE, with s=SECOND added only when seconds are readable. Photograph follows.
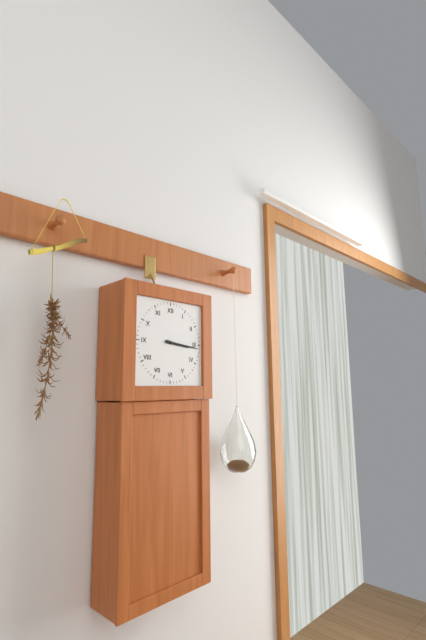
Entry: h=3 m=16
